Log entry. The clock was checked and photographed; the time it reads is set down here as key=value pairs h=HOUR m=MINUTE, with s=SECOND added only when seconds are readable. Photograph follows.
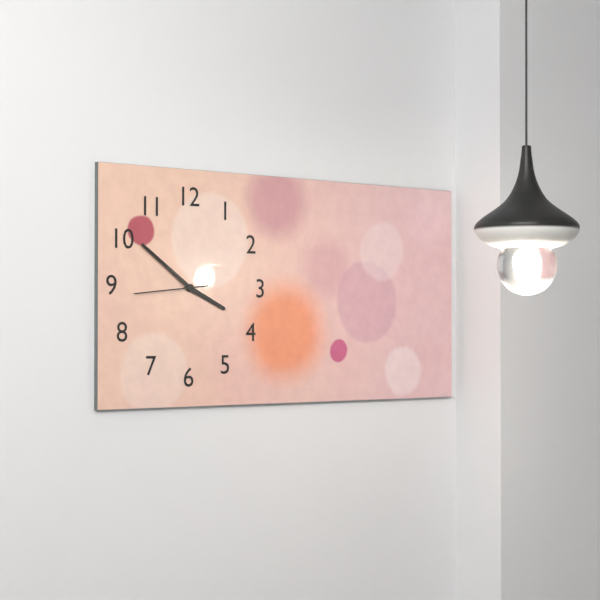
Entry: h=3 m=51 s=44
